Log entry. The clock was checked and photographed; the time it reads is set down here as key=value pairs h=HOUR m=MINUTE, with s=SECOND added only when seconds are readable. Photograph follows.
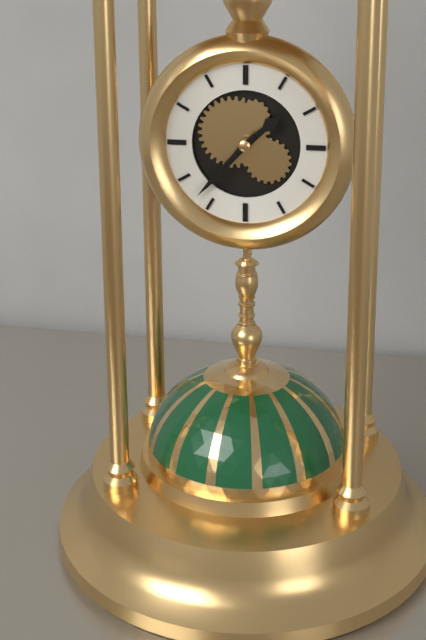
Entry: h=1 m=37
